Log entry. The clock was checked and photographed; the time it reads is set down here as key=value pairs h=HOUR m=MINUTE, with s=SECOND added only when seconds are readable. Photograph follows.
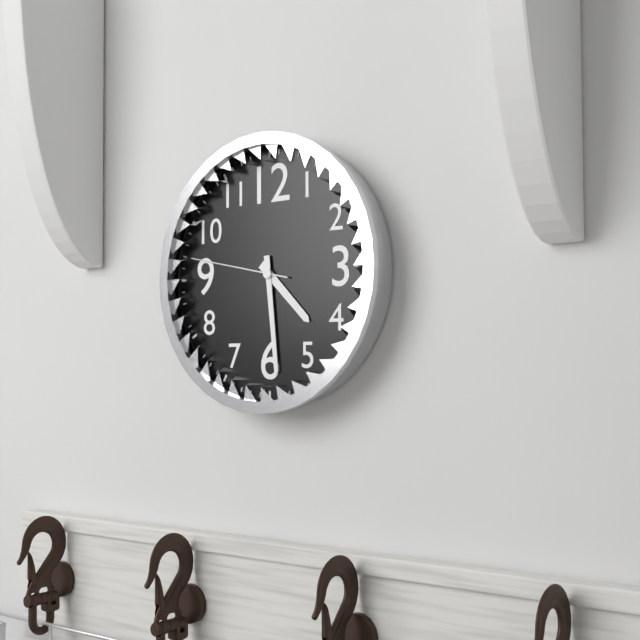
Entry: h=4 m=29 s=47
